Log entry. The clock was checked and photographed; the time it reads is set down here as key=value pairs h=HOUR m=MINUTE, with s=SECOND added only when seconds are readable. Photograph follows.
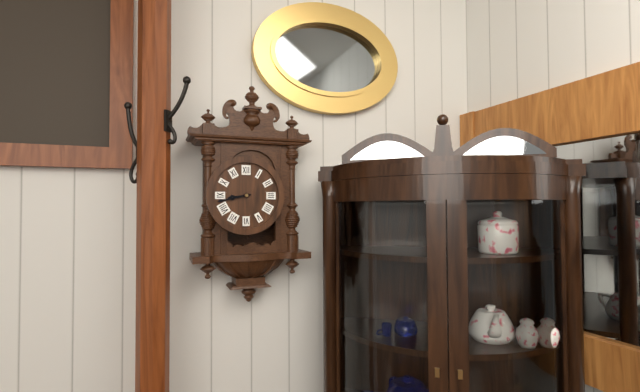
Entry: h=8 m=43
